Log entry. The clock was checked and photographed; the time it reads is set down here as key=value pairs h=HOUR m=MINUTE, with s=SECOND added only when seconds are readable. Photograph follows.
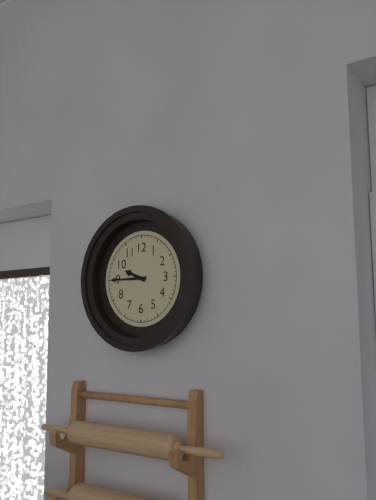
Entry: h=9 m=45
